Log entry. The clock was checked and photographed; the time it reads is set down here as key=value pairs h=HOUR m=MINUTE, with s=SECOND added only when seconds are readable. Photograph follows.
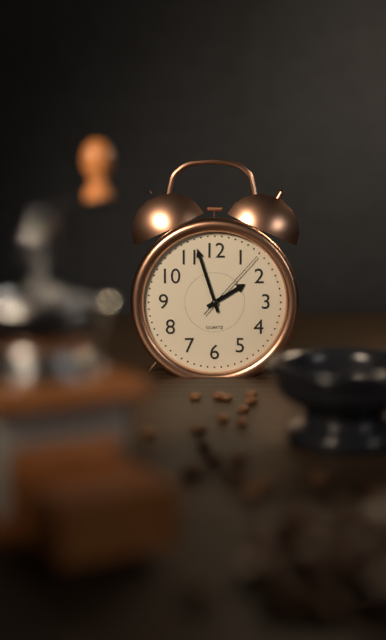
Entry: h=1 m=57 s=7
